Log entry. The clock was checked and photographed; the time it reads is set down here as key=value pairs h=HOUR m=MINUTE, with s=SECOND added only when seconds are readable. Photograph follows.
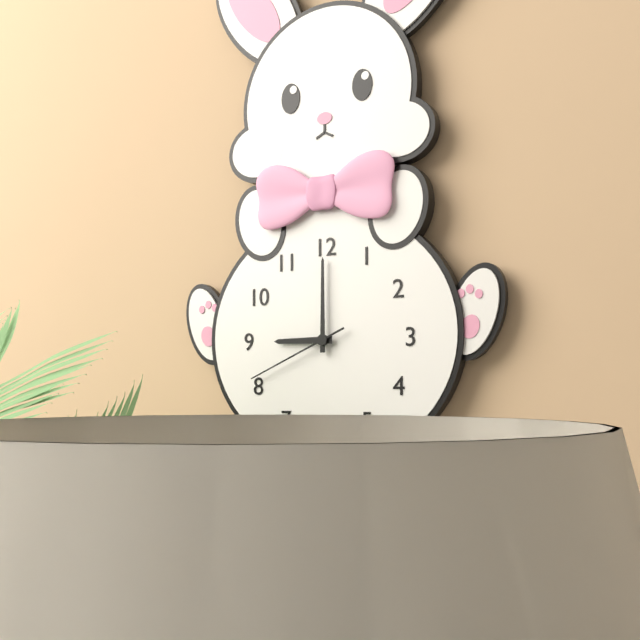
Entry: h=9 m=0 s=41
